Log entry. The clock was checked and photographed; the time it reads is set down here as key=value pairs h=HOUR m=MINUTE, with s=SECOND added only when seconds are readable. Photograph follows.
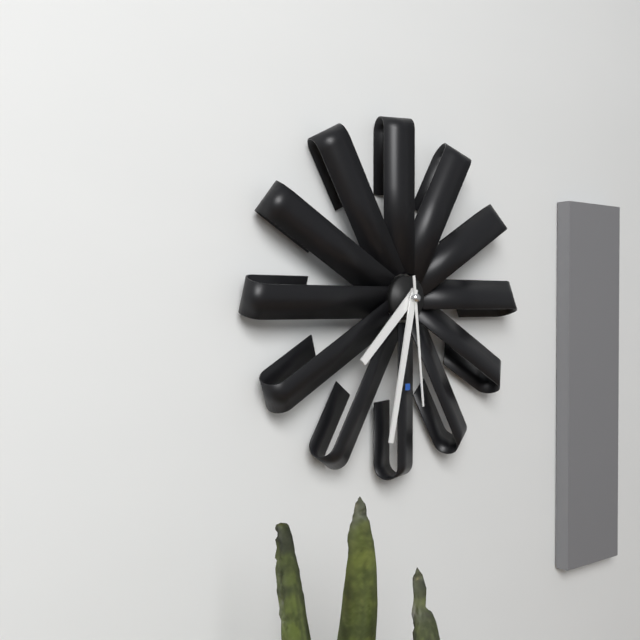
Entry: h=7 m=32 s=29
